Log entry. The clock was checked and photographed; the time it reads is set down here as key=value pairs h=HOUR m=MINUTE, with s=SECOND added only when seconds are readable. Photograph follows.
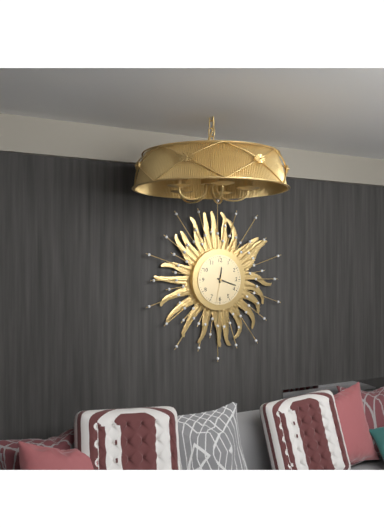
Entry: h=12 m=18
